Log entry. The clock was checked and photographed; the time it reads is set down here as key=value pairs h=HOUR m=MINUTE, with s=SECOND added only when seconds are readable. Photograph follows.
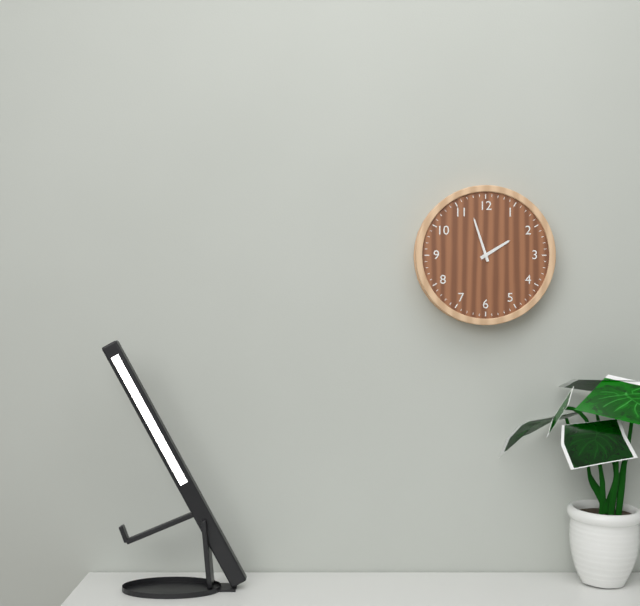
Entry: h=1 m=57
